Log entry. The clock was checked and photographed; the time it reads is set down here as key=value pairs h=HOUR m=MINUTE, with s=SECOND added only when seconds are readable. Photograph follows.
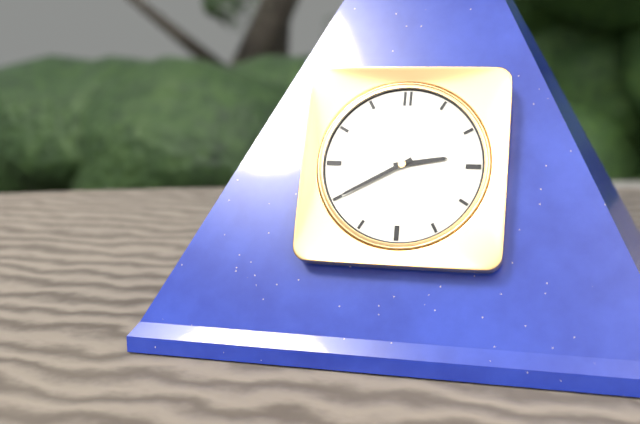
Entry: h=2 m=40
